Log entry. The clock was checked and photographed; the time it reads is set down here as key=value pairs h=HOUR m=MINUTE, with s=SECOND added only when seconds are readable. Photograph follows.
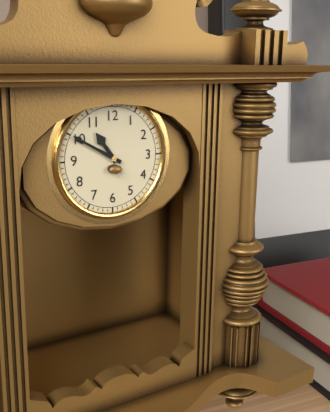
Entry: h=10 m=50
